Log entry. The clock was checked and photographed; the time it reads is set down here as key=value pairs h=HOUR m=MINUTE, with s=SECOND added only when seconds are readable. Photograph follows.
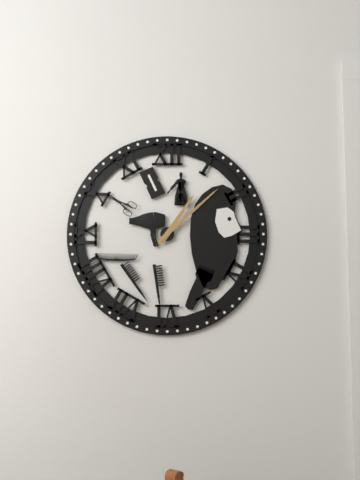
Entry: h=1 m=8
